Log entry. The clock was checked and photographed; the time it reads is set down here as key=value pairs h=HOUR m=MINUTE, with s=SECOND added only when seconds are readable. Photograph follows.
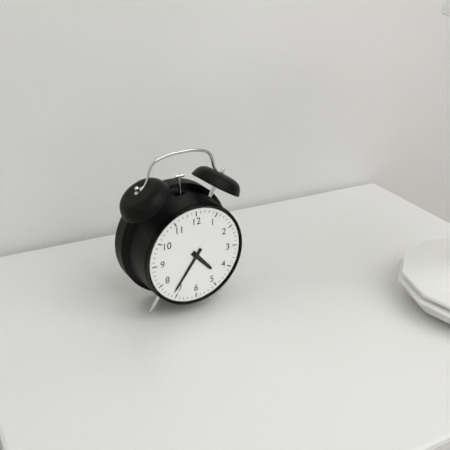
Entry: h=4 m=36
